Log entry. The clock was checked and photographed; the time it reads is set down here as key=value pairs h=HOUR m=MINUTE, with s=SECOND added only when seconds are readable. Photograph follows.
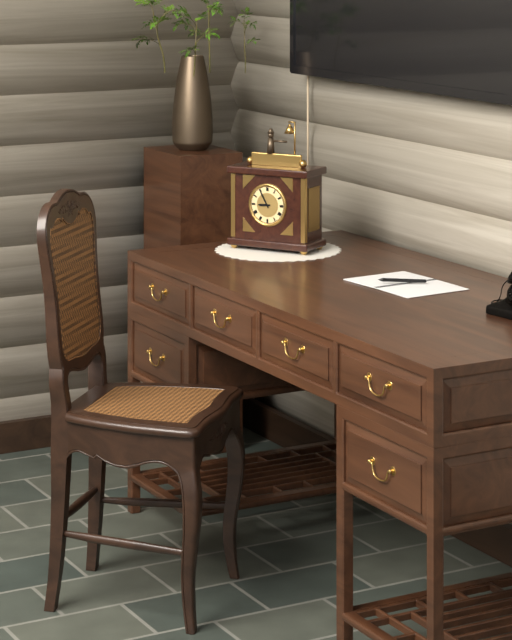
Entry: h=8 m=55
